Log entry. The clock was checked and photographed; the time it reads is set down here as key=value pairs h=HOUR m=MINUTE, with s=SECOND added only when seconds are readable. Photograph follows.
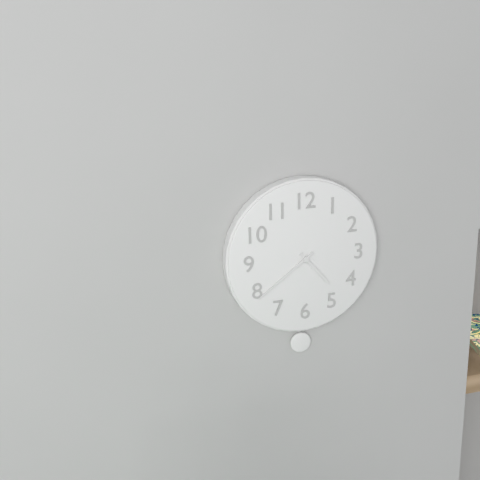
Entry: h=4 m=39
